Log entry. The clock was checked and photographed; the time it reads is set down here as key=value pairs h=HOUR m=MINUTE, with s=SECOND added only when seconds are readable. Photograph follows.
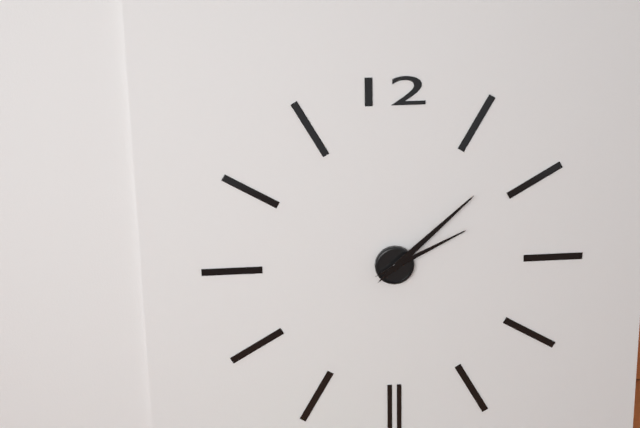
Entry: h=2 m=8
